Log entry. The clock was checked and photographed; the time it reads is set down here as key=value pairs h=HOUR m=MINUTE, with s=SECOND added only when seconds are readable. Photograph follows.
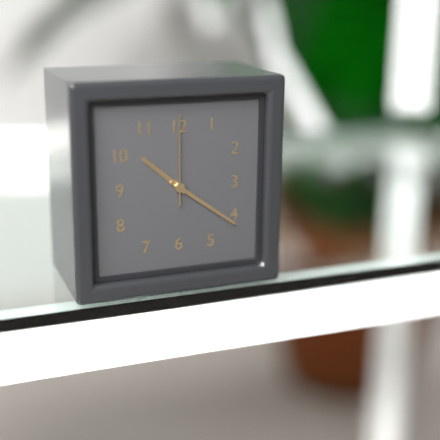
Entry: h=10 m=21 s=0
